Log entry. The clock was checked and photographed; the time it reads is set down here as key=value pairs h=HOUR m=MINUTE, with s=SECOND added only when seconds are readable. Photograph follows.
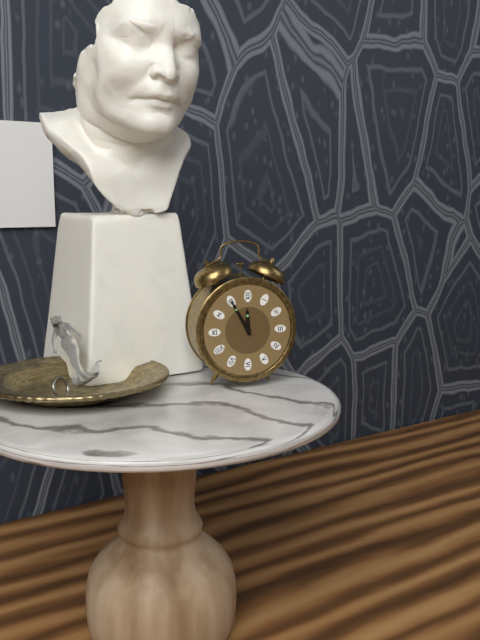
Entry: h=11 m=55
